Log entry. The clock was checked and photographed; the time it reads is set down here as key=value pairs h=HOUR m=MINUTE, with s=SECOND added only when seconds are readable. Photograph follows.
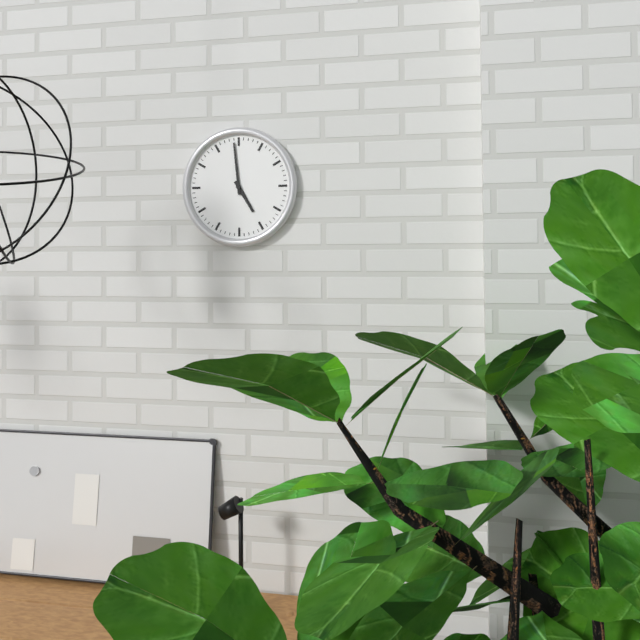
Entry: h=4 m=59
